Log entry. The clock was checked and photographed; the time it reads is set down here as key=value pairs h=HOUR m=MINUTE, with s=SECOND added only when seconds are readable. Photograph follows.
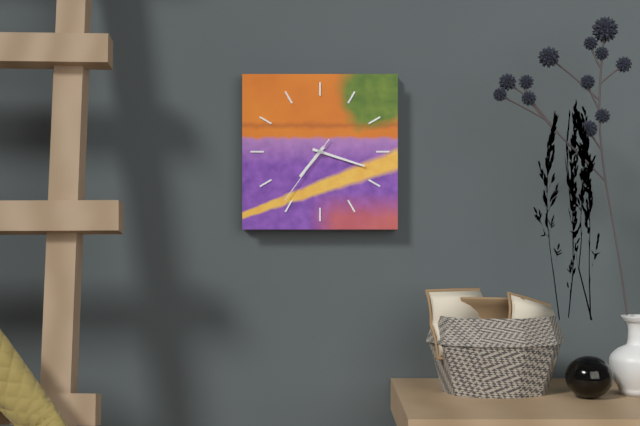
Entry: h=7 m=18 s=36
